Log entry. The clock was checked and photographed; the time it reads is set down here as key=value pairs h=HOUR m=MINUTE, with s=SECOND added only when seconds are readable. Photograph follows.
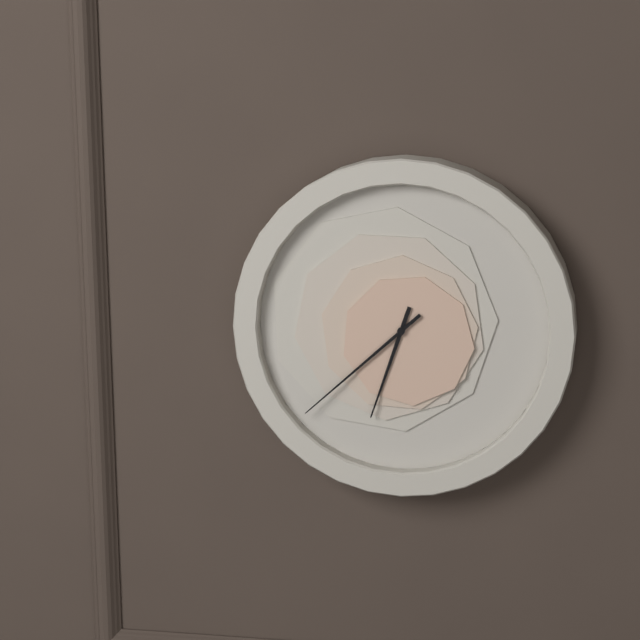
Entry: h=6 m=38
